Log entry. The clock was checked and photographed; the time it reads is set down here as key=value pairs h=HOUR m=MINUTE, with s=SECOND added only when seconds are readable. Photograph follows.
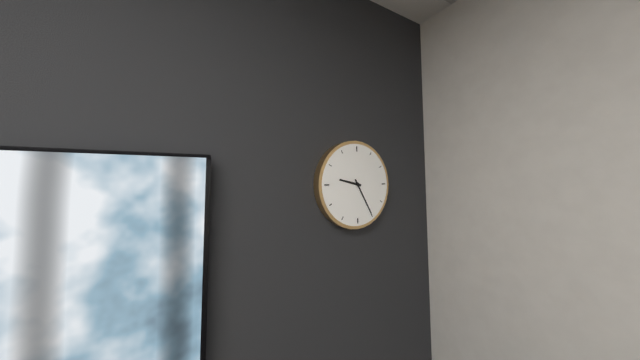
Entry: h=9 m=25
